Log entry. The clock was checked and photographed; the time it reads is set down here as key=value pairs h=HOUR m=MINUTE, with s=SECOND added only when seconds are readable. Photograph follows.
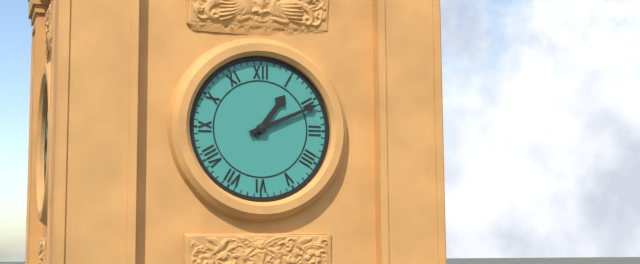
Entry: h=1 m=11
